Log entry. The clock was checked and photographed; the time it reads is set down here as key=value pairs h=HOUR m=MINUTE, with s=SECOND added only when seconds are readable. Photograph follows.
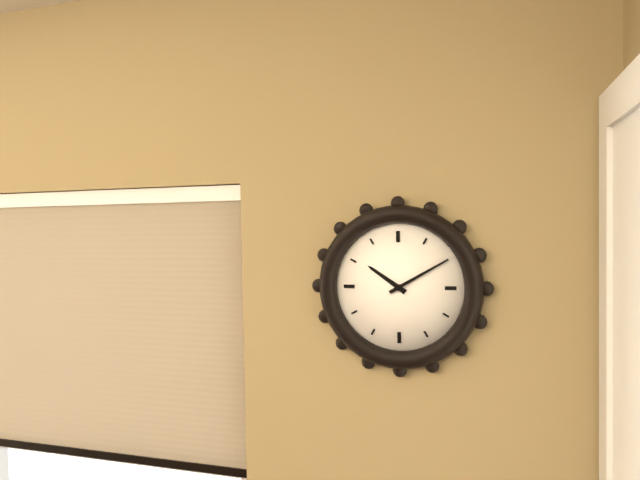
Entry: h=10 m=10
